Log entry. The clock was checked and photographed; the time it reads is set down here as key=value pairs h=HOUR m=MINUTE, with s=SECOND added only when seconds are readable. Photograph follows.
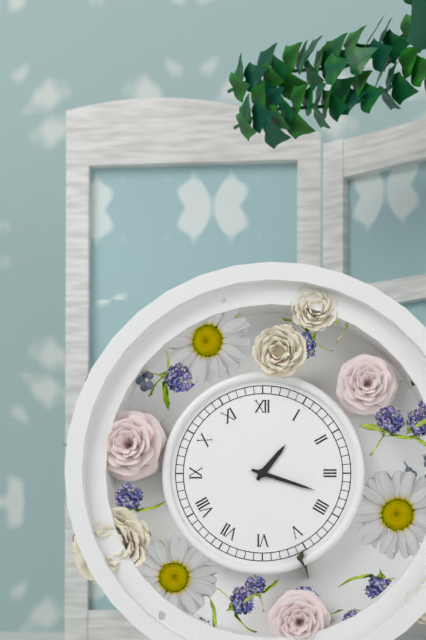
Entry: h=1 m=18
